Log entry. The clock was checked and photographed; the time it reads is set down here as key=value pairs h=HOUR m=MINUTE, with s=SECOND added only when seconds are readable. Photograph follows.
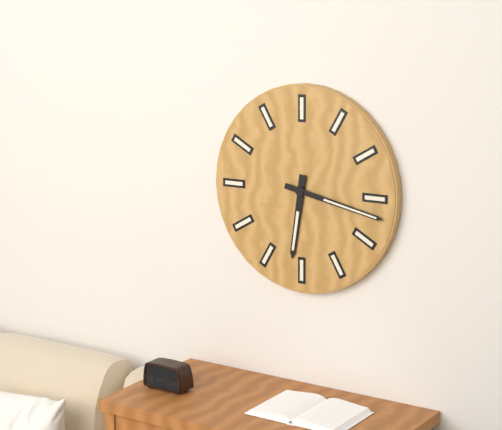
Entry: h=6 m=17
